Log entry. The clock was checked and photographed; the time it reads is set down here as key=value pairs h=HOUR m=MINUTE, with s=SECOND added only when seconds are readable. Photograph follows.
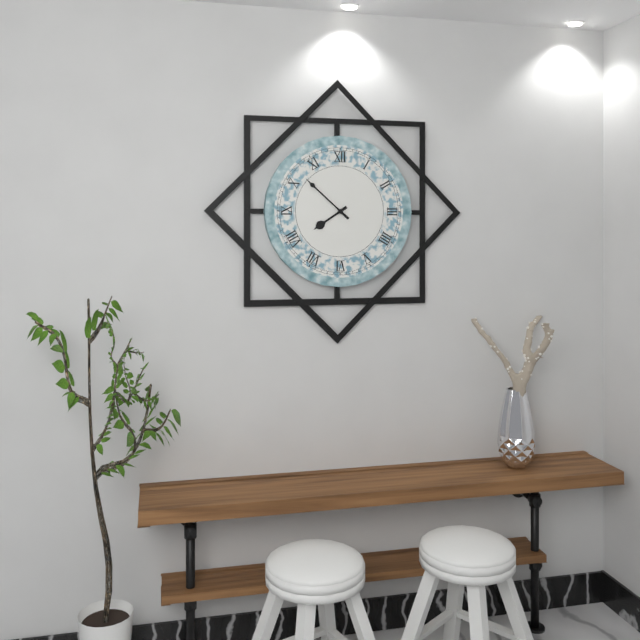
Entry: h=7 m=52
